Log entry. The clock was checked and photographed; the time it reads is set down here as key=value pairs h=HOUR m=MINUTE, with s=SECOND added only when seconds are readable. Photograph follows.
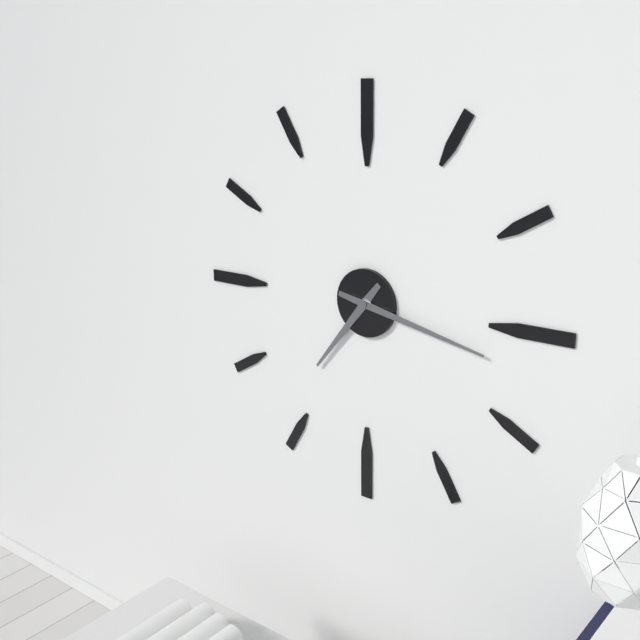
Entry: h=7 m=17
